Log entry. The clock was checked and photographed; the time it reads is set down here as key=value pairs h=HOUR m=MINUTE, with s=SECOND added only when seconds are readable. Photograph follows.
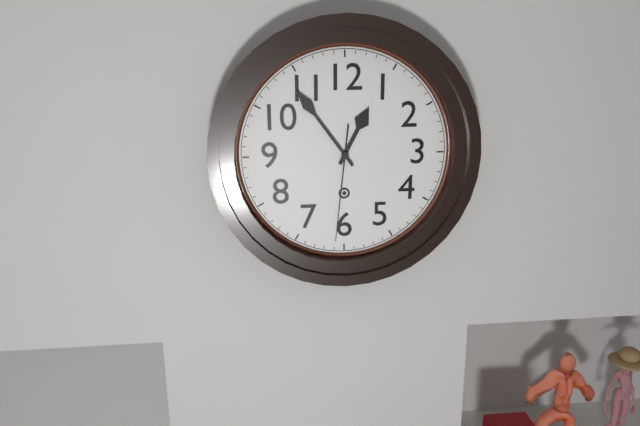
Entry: h=12 m=54 s=31
